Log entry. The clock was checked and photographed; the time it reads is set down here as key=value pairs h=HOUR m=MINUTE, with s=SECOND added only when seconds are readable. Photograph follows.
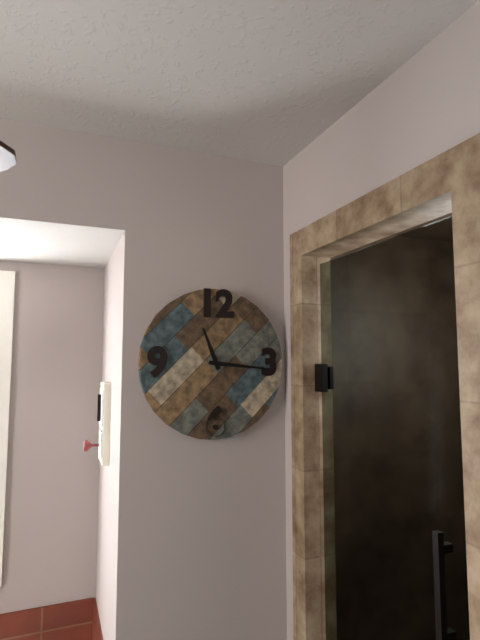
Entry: h=11 m=16
